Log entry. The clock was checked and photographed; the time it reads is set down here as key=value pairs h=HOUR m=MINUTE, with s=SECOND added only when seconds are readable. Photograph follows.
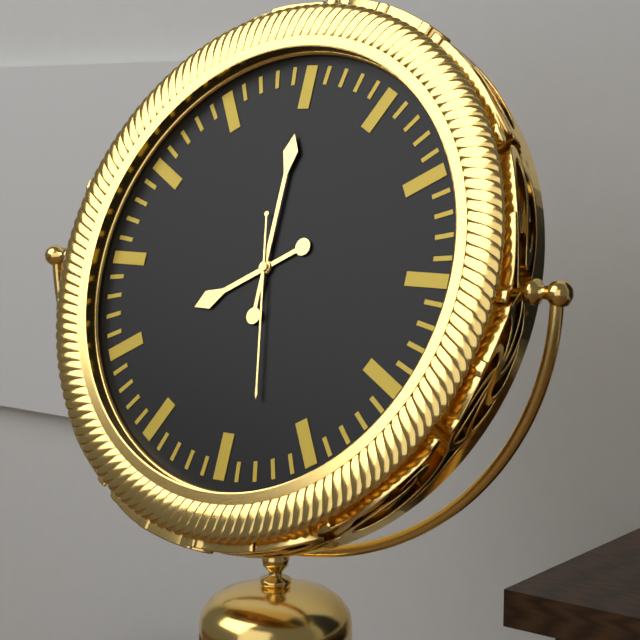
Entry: h=8 m=0 s=28
